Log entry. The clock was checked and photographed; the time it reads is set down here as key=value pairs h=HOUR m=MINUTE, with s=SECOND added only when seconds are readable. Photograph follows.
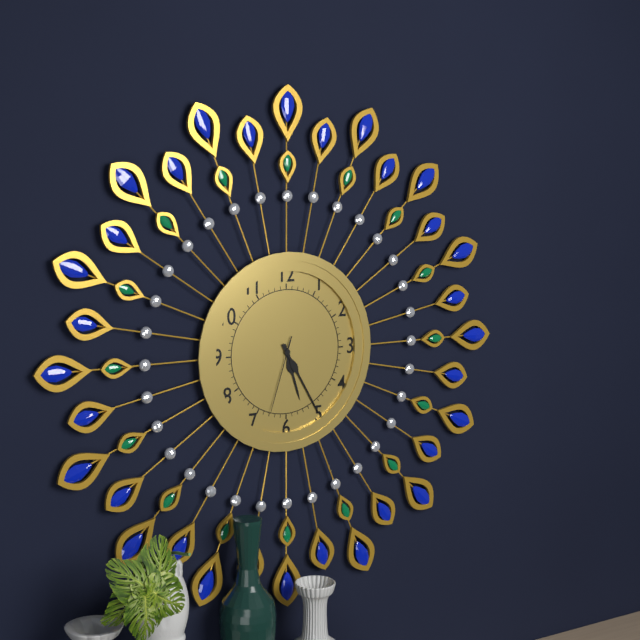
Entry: h=5 m=25 s=33
